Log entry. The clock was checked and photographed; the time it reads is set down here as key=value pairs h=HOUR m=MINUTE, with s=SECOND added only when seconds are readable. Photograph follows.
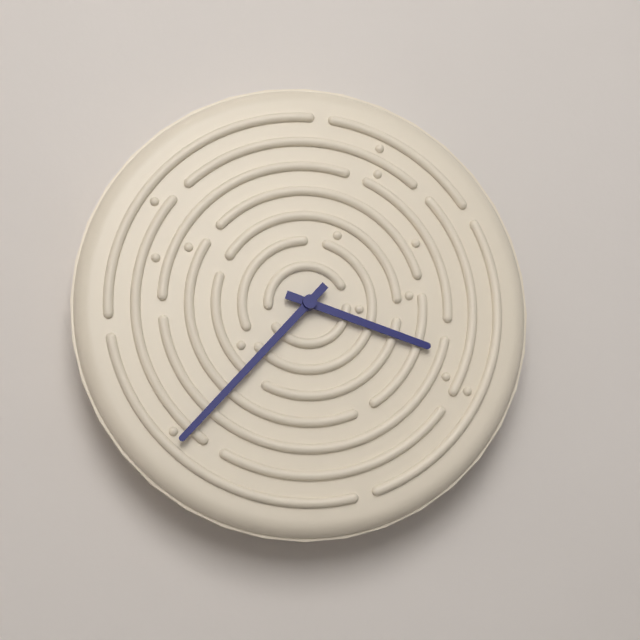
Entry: h=3 m=37
